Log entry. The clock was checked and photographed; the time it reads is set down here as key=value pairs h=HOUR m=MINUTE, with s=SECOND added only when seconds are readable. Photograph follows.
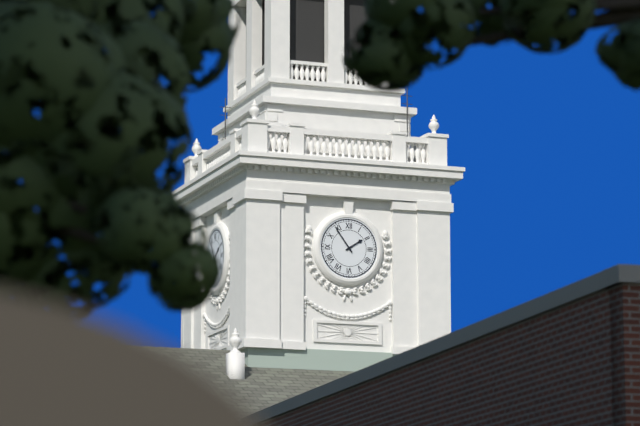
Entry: h=1 m=54
